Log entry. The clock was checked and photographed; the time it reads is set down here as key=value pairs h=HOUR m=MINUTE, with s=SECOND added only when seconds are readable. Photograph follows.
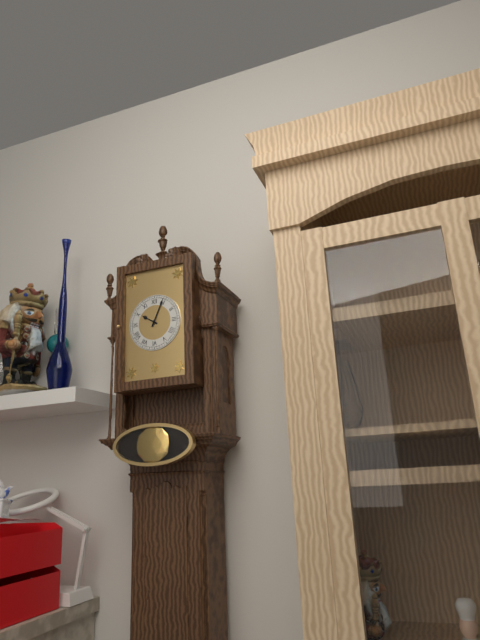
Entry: h=10 m=4
